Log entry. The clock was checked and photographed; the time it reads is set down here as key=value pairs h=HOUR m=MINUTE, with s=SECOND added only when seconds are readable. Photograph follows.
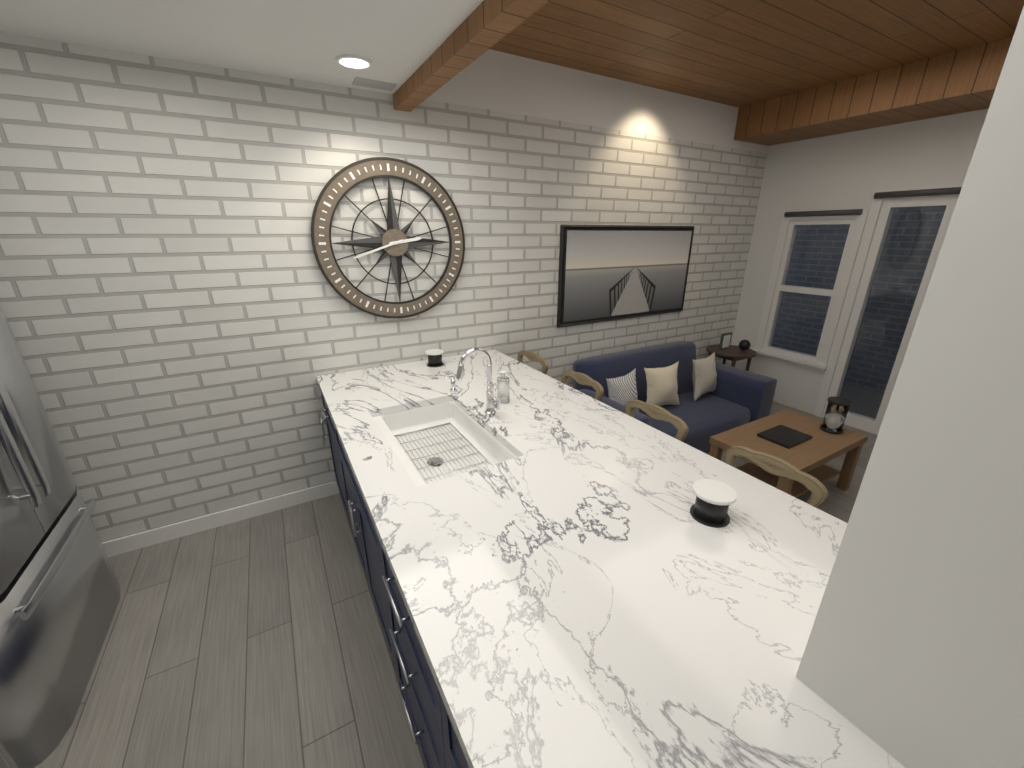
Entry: h=2 m=42
